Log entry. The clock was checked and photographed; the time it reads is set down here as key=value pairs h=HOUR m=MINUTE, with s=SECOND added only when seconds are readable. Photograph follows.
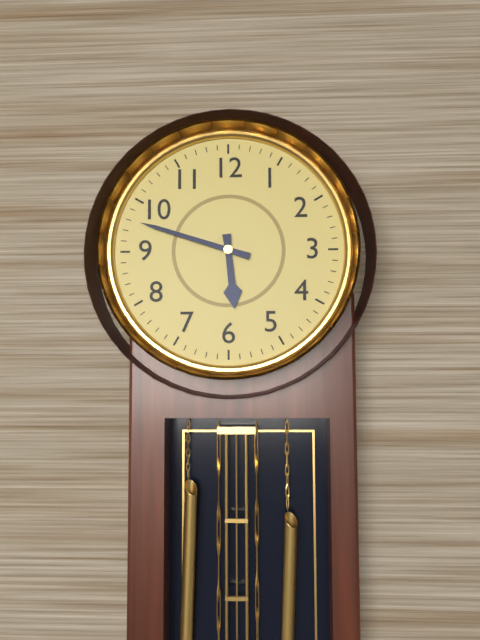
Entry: h=5 m=48
